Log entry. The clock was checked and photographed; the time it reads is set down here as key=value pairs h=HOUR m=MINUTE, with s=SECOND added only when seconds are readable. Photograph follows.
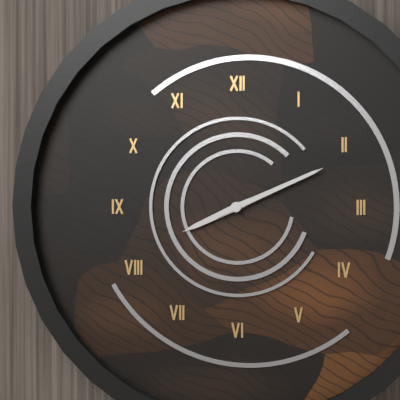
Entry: h=8 m=11
